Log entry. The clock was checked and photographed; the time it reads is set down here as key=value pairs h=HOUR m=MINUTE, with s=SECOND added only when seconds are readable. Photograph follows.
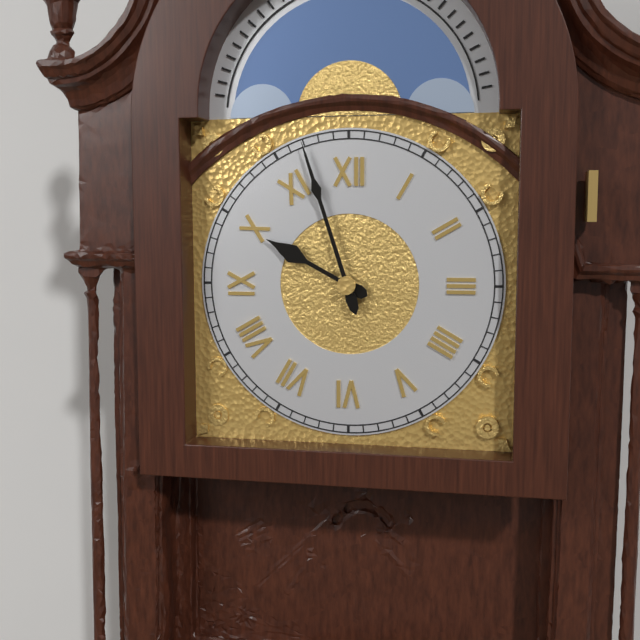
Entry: h=9 m=57
